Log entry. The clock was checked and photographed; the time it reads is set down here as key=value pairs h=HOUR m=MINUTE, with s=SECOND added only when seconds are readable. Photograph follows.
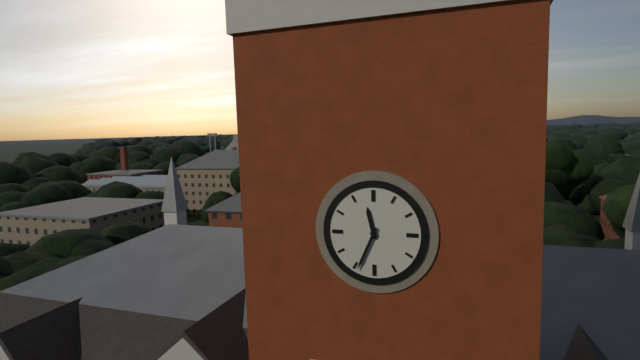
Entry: h=11 m=34
